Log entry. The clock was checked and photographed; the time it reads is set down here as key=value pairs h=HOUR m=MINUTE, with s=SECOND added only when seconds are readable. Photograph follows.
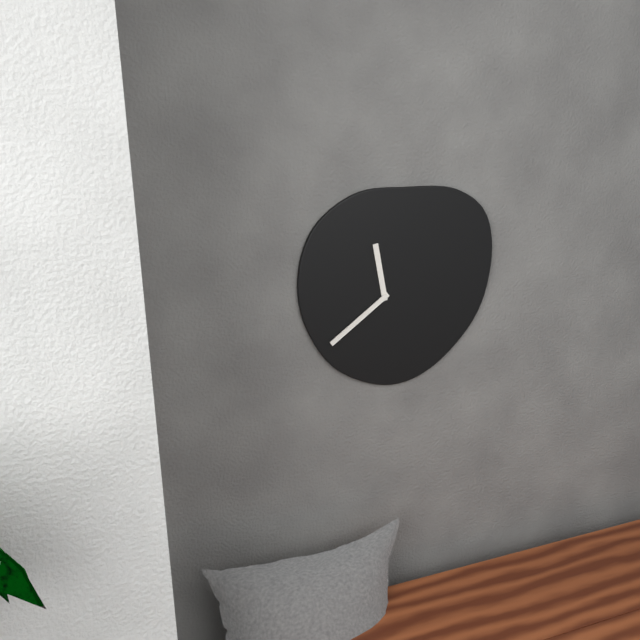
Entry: h=11 m=39
